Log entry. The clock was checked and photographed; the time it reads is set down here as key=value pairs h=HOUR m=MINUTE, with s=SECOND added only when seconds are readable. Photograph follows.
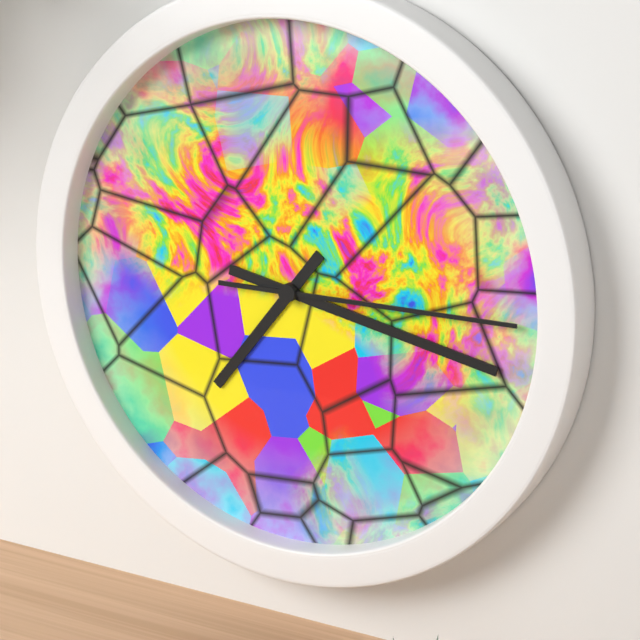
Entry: h=7 m=17 s=15
